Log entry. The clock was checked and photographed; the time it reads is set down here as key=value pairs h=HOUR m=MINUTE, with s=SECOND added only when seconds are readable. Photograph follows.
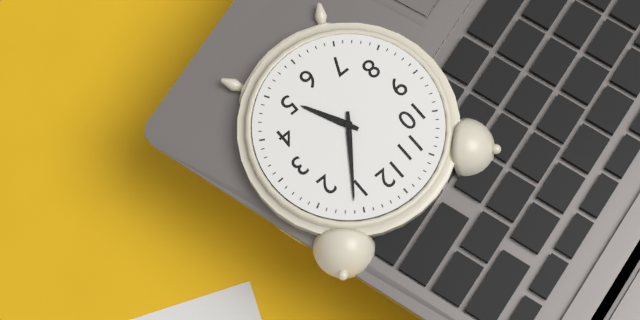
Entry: h=5 m=6
